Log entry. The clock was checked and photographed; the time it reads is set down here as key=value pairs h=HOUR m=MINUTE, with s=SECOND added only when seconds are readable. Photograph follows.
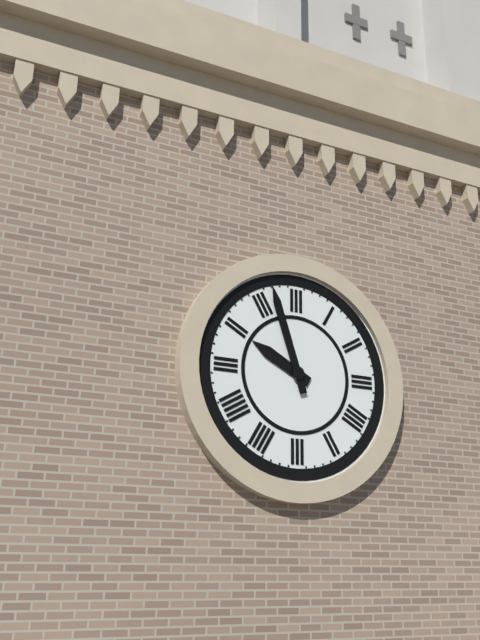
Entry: h=9 m=57
